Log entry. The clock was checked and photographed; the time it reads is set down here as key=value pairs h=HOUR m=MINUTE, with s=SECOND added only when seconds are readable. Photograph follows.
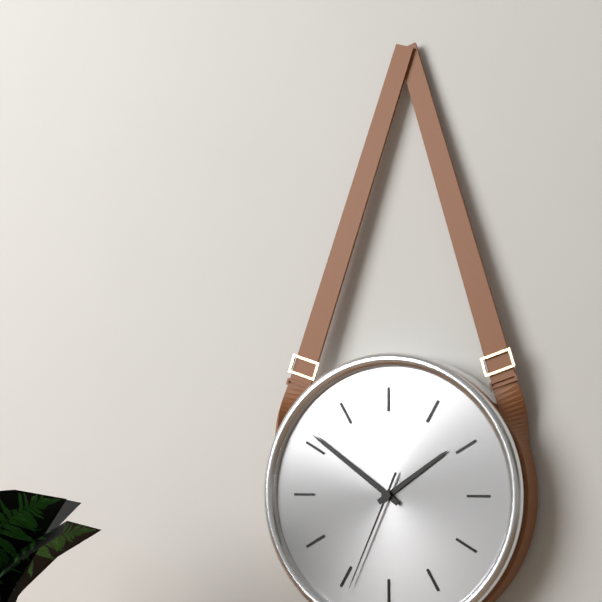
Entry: h=1 m=51 s=34
